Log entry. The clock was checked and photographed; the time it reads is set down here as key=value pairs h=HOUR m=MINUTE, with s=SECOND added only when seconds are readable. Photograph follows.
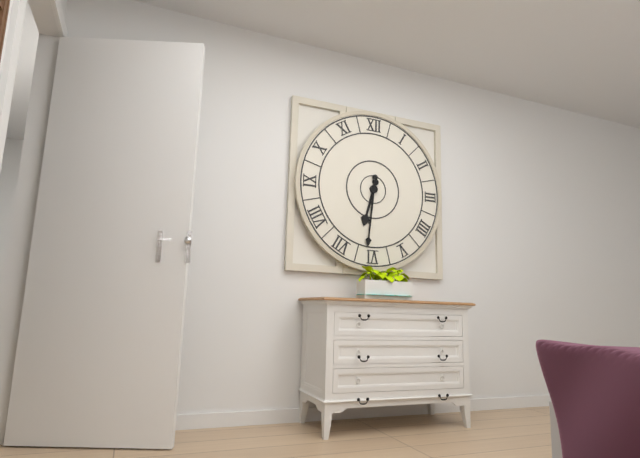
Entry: h=6 m=31
